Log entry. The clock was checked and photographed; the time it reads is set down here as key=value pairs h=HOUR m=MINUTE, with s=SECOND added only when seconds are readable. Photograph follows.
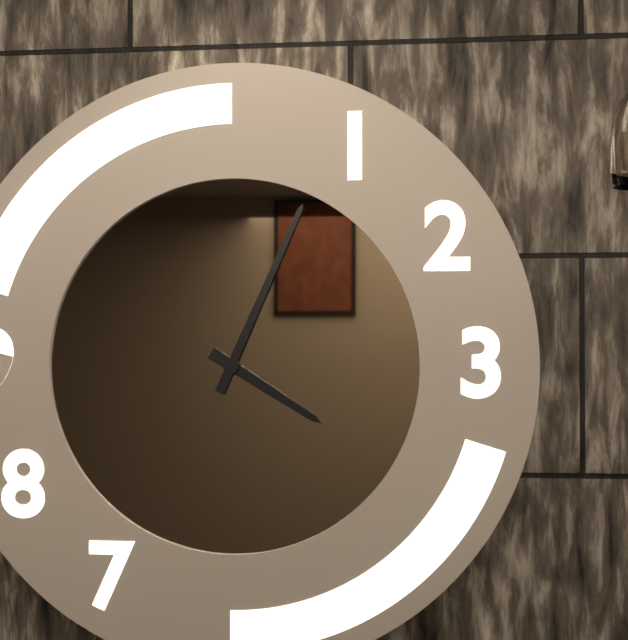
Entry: h=4 m=4
